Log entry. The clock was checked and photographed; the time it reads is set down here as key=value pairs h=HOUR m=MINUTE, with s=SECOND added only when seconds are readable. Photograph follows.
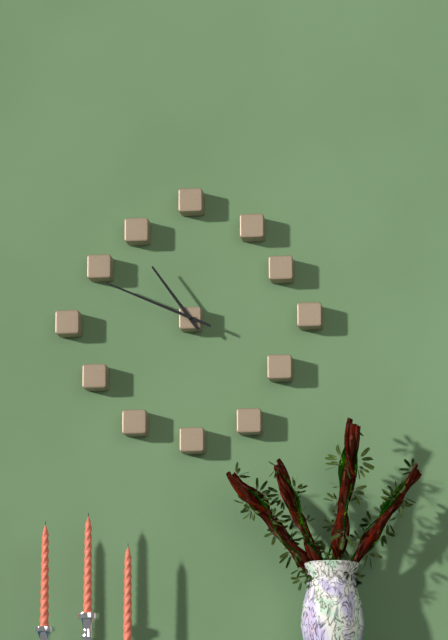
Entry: h=10 m=49
